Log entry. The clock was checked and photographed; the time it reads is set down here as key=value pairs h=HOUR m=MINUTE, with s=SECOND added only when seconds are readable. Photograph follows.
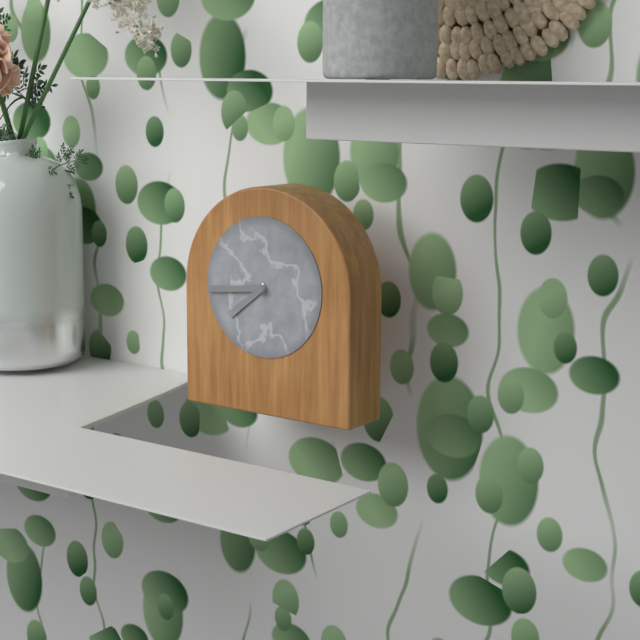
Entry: h=7 m=44
